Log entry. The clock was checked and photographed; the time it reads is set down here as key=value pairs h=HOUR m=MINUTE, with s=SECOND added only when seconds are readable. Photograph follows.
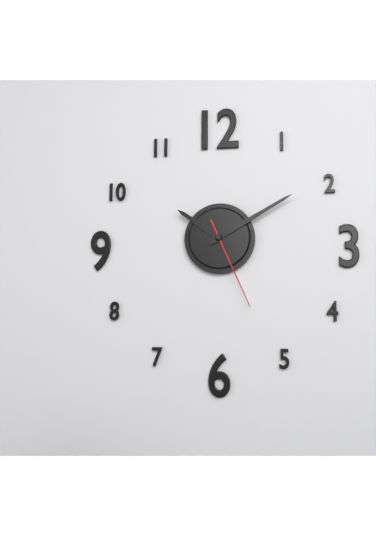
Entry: h=10 m=10 s=26
